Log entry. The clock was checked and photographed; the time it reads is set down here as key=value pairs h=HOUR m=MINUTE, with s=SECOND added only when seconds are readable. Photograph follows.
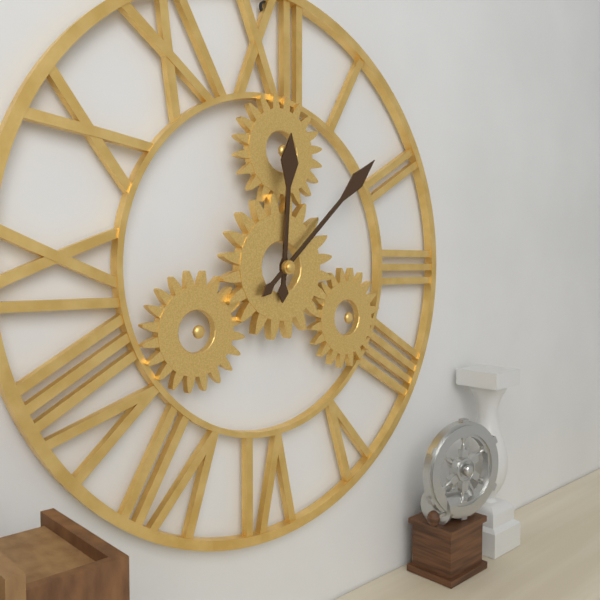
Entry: h=12 m=8
